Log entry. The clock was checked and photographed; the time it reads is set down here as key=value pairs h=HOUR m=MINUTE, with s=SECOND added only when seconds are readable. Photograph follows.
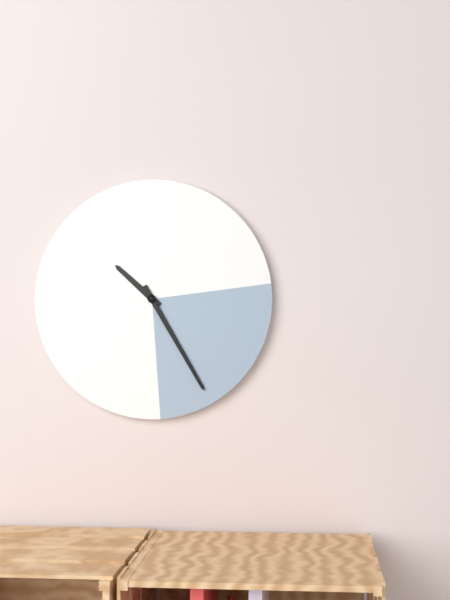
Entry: h=10 m=25
